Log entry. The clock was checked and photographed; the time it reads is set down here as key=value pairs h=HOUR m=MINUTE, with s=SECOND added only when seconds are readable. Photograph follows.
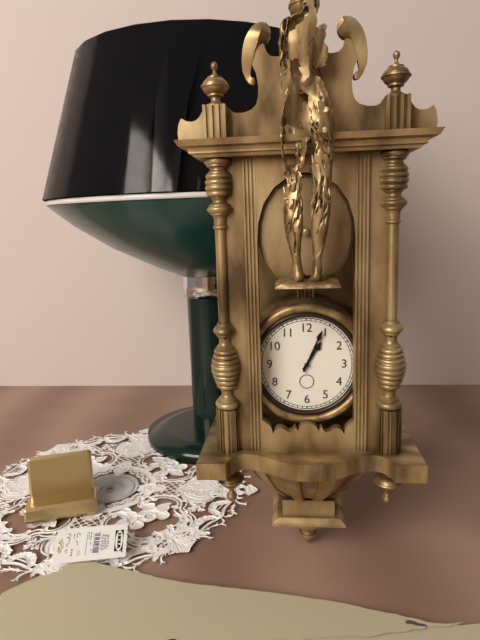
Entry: h=1 m=4
